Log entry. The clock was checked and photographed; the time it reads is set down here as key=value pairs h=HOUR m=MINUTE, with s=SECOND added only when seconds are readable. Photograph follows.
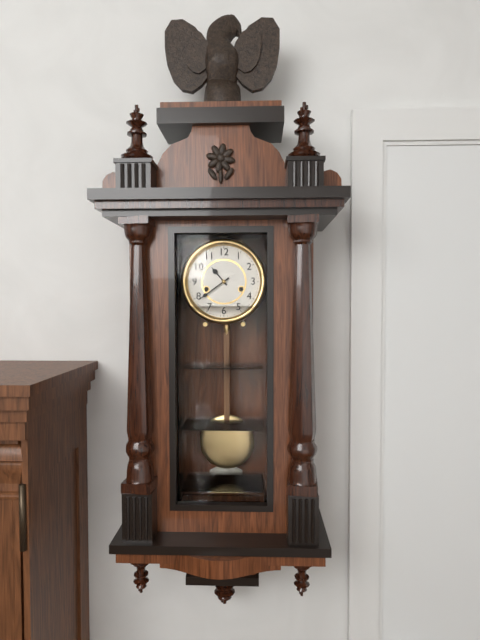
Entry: h=10 m=39
